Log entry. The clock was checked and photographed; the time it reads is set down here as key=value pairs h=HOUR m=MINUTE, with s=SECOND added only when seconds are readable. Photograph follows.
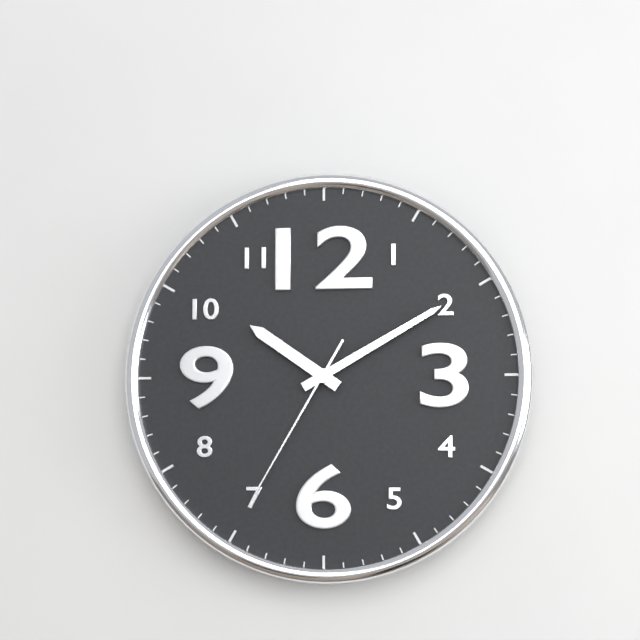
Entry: h=10 m=10 s=35
